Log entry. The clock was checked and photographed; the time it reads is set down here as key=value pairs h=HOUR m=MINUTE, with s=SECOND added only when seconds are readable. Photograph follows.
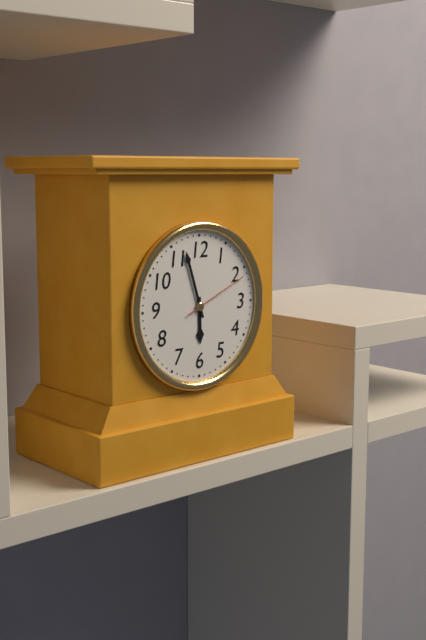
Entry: h=5 m=57 s=11
